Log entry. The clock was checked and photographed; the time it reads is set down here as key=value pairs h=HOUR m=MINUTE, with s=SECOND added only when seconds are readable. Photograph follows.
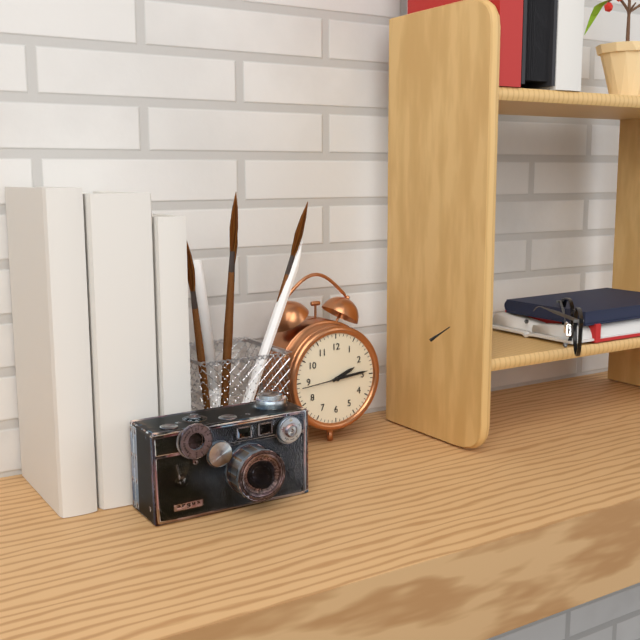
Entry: h=2 m=14
